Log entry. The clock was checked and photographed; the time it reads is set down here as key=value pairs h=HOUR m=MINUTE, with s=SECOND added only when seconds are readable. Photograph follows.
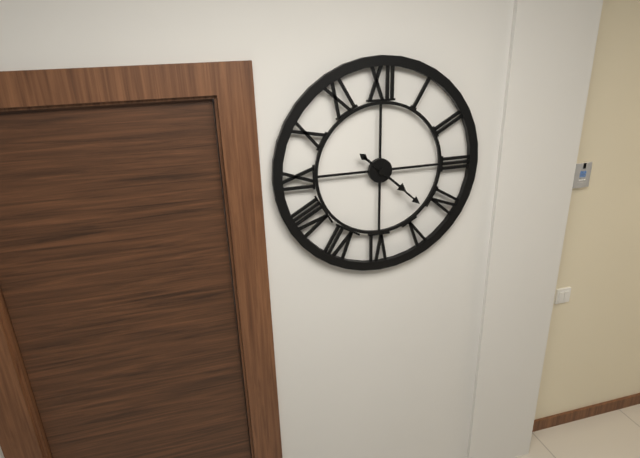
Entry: h=4 m=22
